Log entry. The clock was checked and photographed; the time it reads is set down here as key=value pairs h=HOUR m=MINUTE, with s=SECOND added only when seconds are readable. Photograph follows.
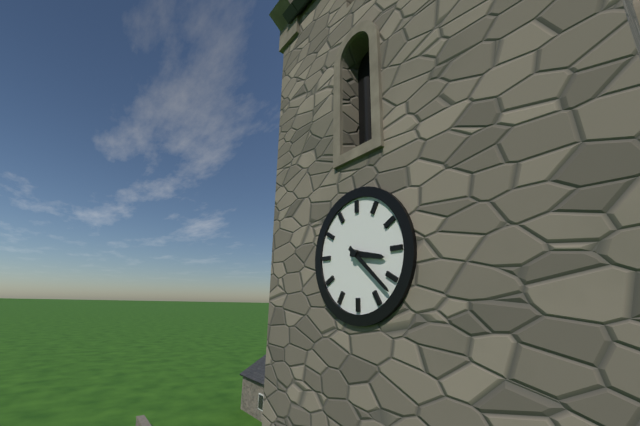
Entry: h=3 m=22
